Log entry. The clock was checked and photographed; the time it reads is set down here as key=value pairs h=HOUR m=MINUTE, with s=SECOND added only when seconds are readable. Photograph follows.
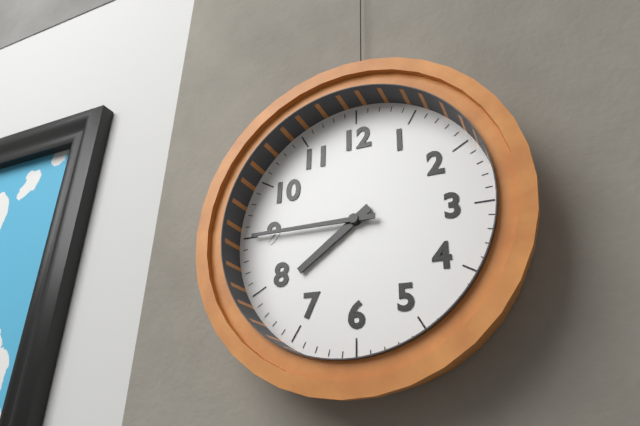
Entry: h=7 m=45
